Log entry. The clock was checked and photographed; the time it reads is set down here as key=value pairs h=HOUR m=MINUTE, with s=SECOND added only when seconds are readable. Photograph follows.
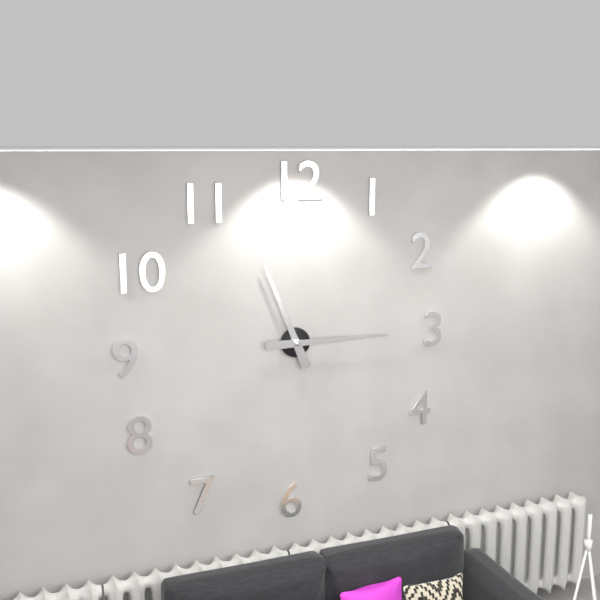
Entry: h=11 m=15
